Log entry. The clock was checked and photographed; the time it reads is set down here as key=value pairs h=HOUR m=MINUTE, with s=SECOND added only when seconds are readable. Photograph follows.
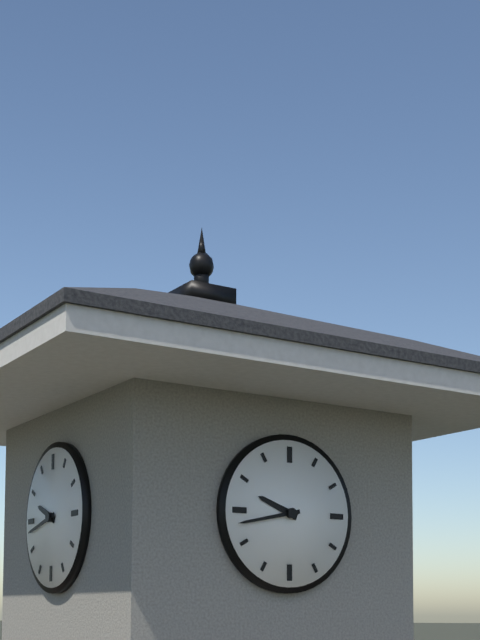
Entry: h=9 m=43
